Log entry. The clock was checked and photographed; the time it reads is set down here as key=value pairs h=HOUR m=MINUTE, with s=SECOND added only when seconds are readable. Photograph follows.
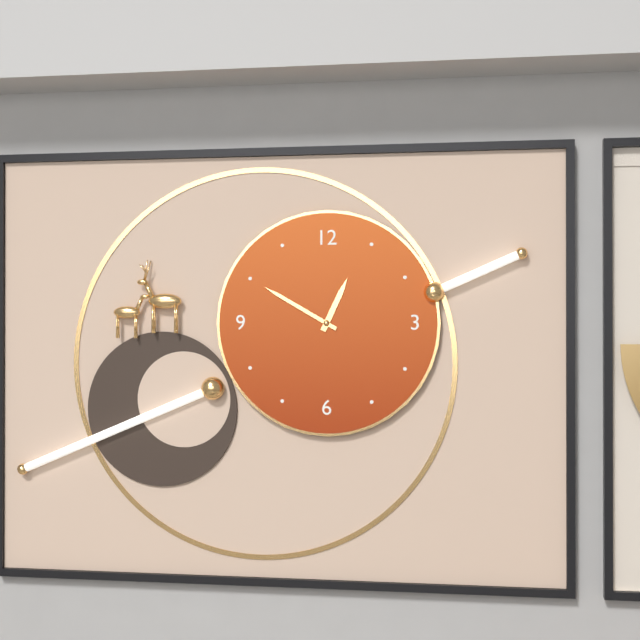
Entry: h=12 m=50
